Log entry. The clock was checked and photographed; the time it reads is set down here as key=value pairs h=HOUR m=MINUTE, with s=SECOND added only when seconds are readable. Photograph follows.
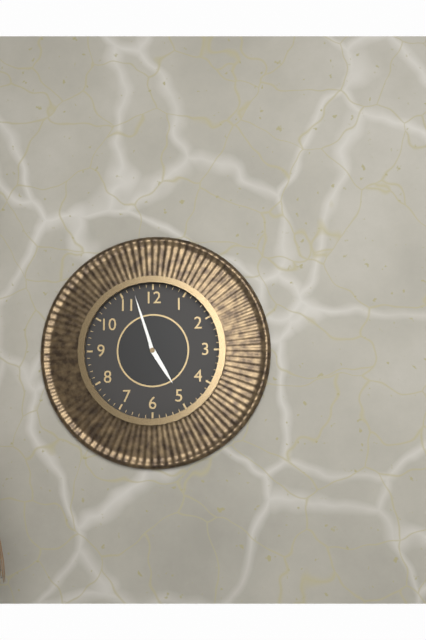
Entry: h=4 m=57
